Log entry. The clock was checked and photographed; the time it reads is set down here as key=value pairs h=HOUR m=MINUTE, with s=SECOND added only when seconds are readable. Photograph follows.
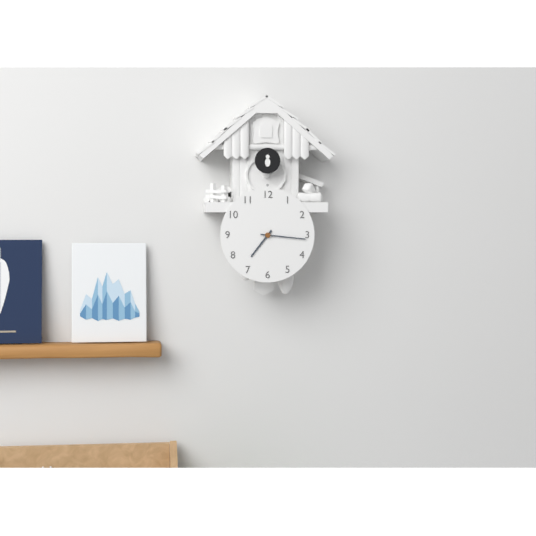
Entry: h=7 m=16
